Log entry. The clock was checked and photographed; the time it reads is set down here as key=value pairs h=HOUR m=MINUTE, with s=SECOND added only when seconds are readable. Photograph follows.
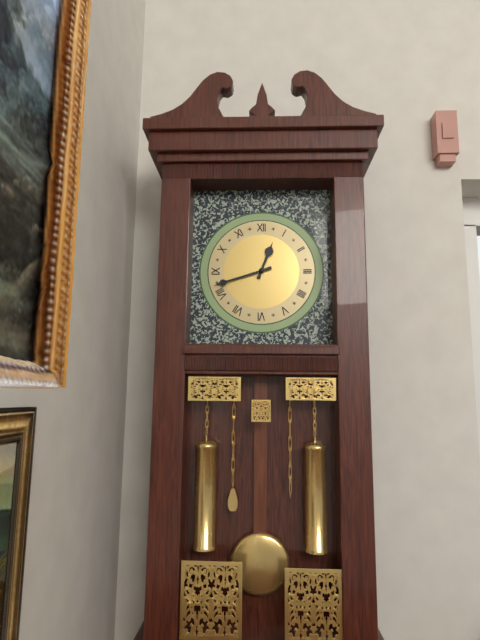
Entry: h=12 m=42
